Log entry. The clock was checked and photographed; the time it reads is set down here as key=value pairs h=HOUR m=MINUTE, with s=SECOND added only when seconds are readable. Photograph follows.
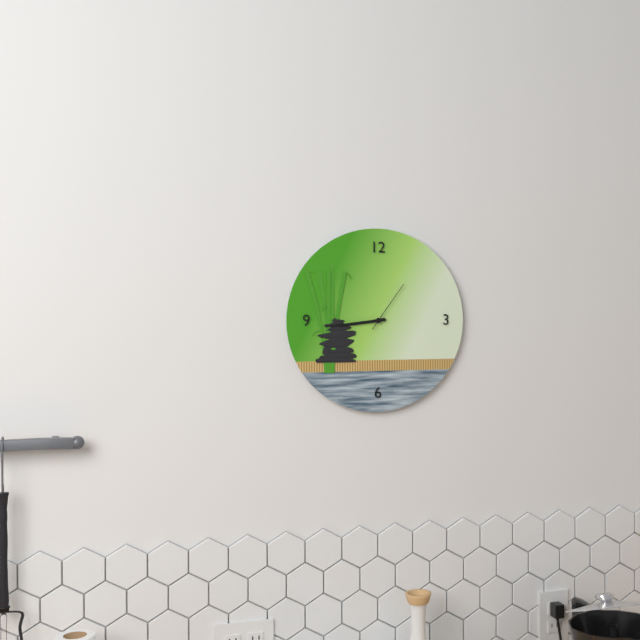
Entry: h=8 m=44 s=6
